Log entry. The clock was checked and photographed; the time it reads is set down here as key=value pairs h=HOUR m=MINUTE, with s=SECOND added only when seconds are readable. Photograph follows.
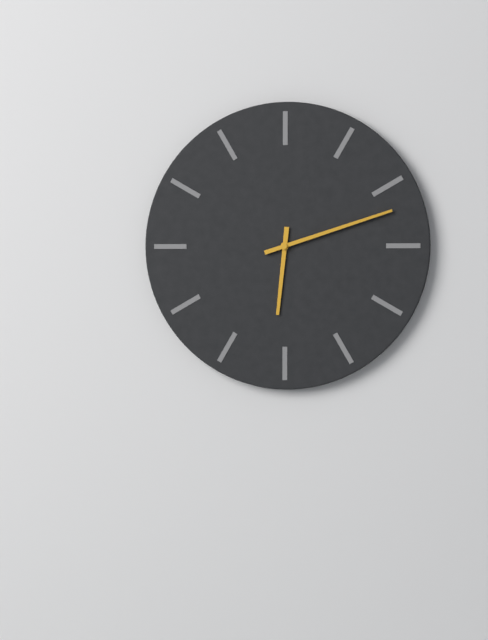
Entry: h=6 m=12
